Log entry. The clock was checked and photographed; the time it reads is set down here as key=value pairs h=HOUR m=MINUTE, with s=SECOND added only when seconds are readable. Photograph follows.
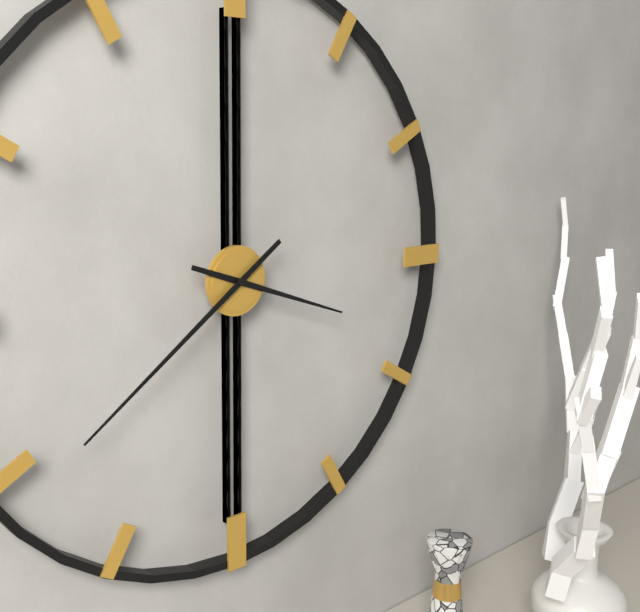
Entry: h=3 m=39
